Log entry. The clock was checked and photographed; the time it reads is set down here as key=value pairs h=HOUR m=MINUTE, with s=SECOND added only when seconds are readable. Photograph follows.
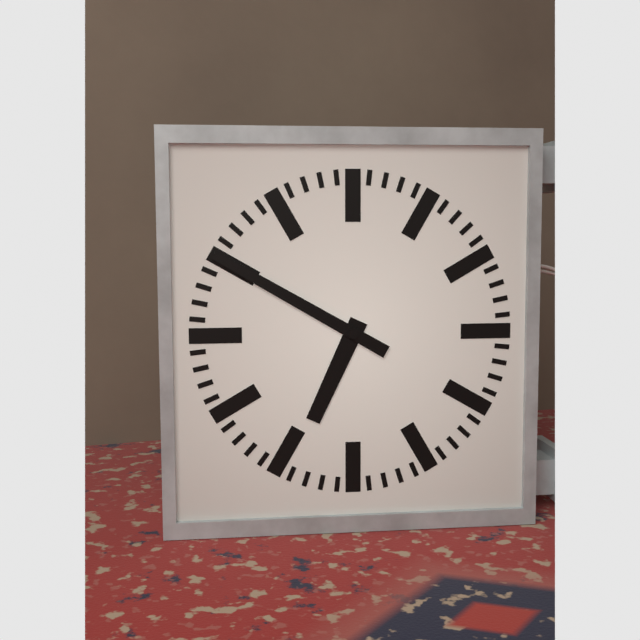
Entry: h=6 m=50
